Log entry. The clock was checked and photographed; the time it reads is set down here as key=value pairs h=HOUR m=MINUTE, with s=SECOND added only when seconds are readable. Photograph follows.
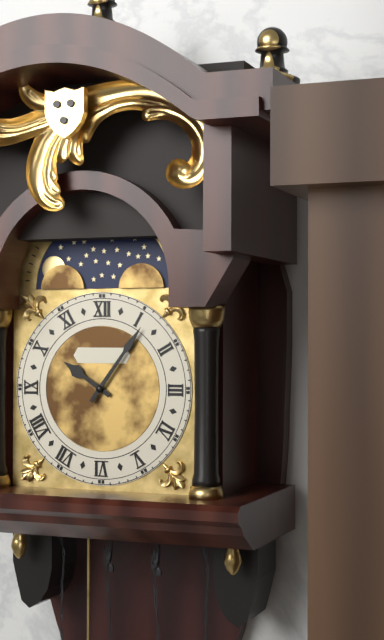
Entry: h=10 m=6
